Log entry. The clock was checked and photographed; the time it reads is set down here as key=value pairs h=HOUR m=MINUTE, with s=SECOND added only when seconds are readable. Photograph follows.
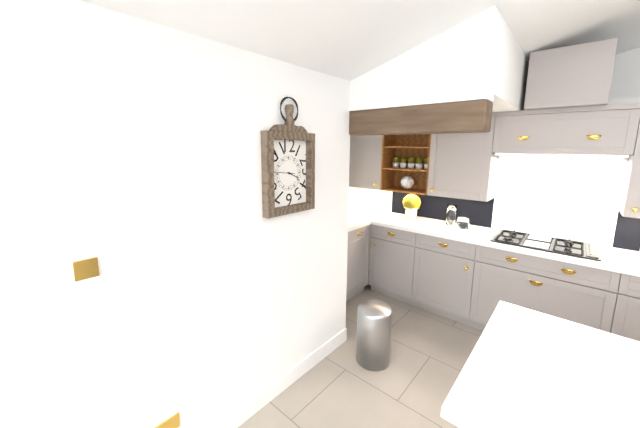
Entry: h=3 m=46
